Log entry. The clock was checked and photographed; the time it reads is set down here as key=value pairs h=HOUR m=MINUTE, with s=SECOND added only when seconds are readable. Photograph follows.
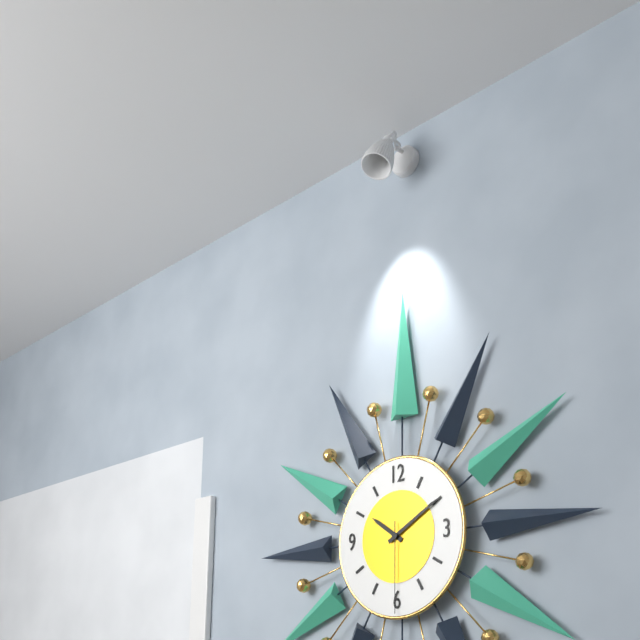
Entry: h=10 m=10 s=30
